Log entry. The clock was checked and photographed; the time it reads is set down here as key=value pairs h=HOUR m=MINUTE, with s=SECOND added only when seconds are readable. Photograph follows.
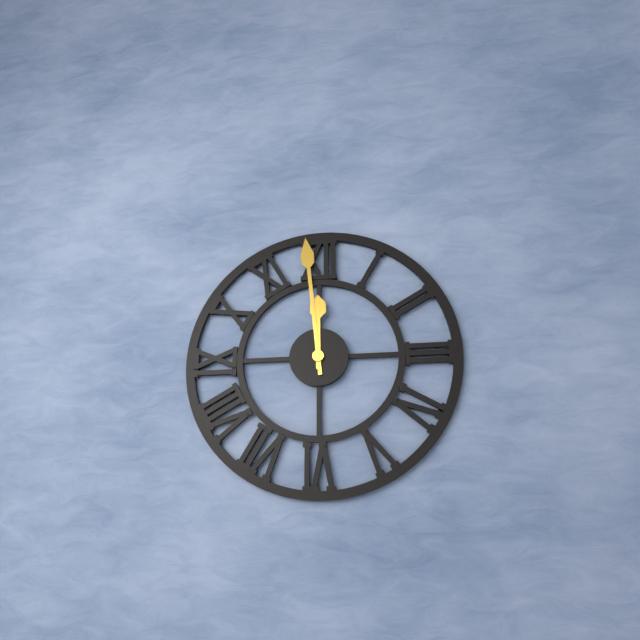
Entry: h=11 m=59
